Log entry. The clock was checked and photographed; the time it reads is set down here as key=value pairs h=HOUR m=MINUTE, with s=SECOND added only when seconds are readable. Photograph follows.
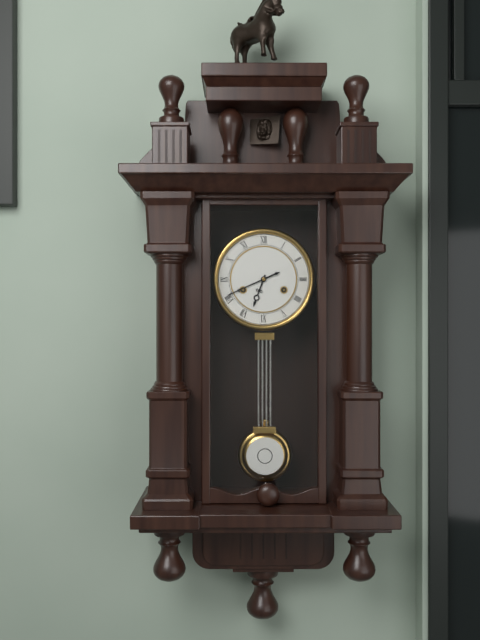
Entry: h=6 m=41
